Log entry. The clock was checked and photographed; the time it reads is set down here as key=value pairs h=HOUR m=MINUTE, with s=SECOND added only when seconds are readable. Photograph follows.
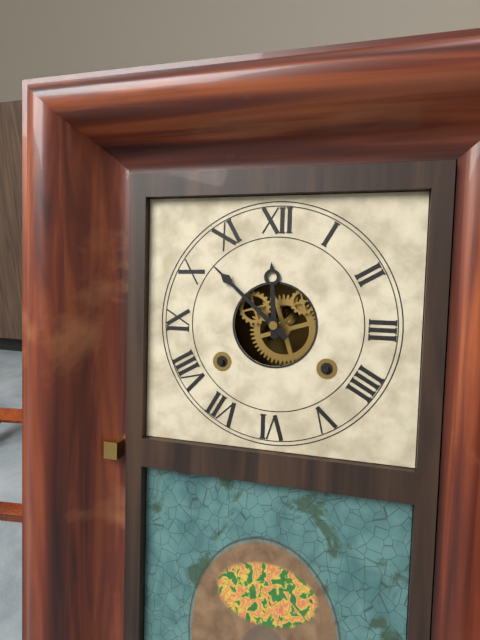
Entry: h=11 m=52
